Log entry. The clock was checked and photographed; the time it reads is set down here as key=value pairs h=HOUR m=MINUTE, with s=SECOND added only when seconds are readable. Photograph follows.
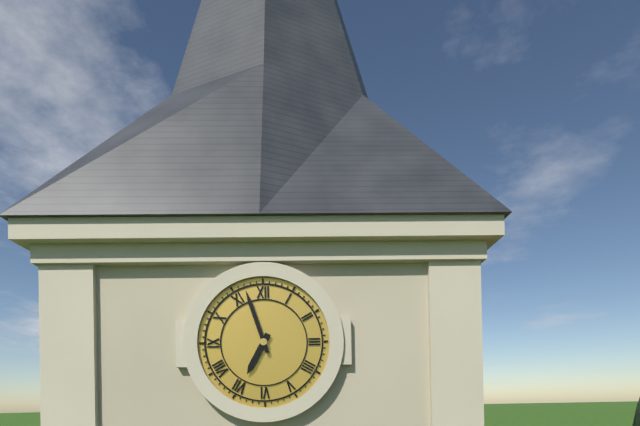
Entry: h=6 m=57
